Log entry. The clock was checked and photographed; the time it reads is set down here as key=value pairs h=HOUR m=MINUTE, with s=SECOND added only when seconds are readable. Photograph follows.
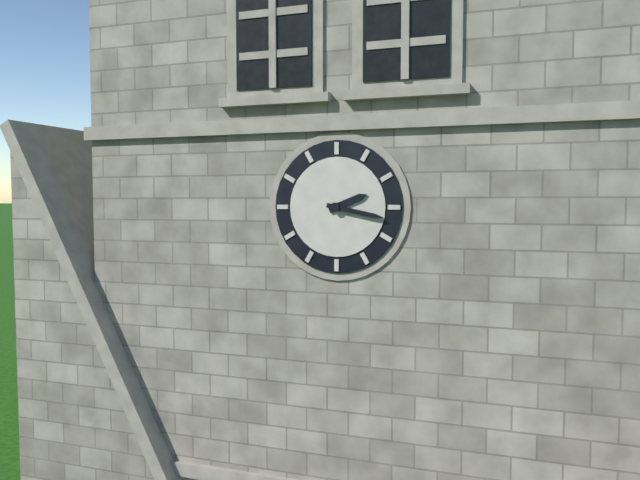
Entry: h=2 m=17
